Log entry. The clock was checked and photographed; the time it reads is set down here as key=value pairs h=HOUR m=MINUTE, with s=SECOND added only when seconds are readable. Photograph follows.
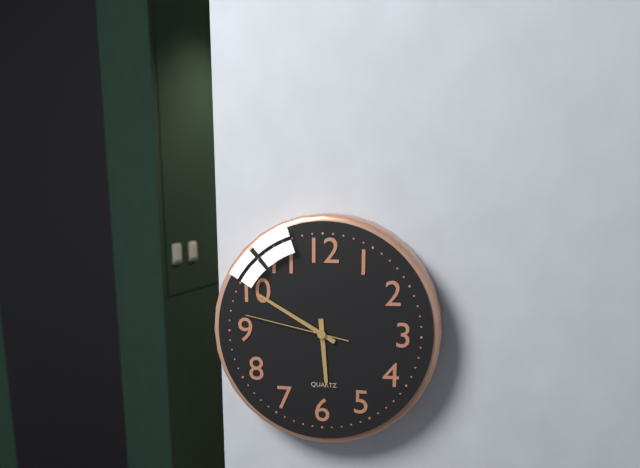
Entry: h=5 m=50 s=47
